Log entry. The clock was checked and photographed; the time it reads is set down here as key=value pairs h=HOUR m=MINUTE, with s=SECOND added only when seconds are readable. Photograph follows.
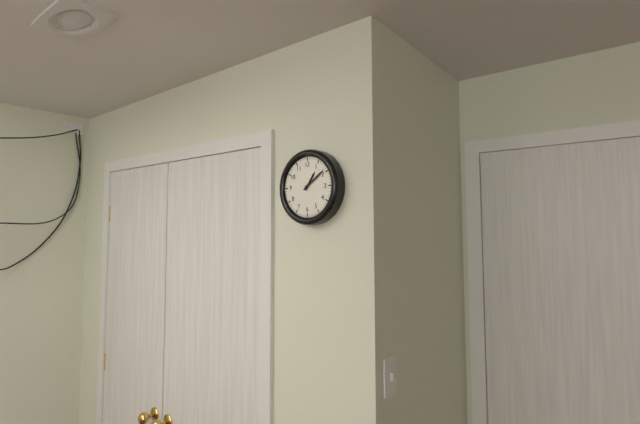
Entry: h=1 m=9
